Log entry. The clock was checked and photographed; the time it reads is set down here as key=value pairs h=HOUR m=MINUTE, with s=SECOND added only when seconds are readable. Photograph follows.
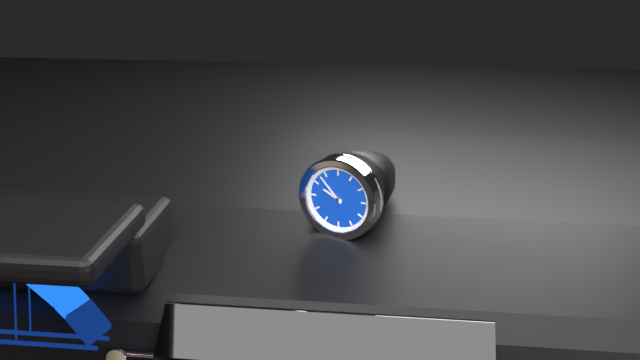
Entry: h=9 m=53
